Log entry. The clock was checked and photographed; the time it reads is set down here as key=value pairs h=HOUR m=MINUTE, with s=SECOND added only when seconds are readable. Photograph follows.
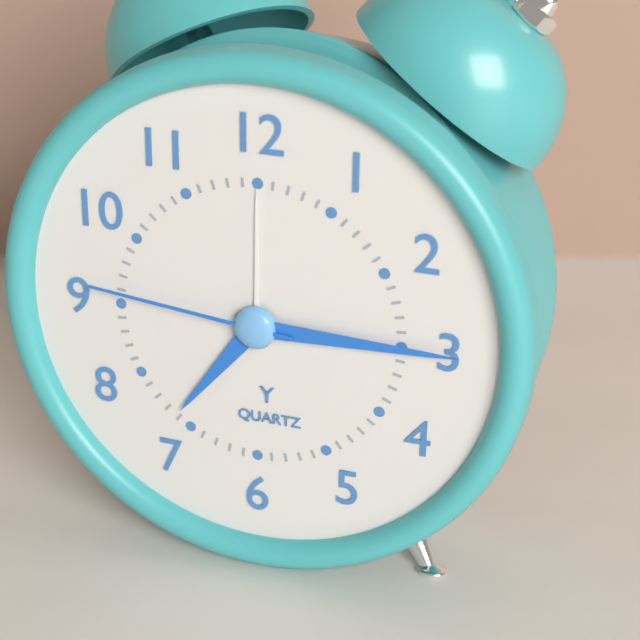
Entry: h=7 m=15 s=46
